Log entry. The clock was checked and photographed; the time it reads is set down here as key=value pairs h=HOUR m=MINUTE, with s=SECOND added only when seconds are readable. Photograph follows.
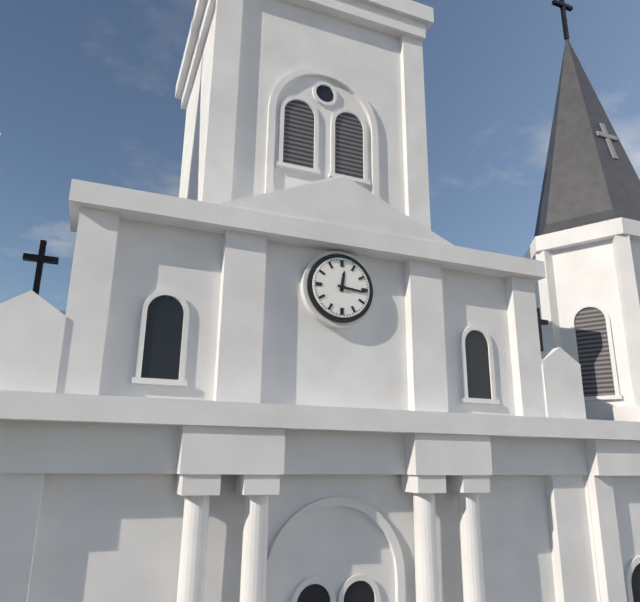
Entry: h=12 m=16
